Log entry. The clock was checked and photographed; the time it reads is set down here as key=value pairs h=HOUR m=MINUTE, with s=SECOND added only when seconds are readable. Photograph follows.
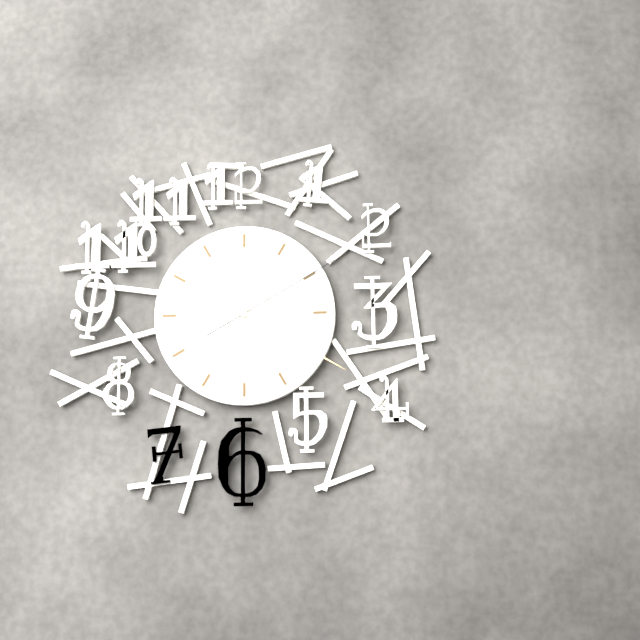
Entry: h=3 m=20 s=10
